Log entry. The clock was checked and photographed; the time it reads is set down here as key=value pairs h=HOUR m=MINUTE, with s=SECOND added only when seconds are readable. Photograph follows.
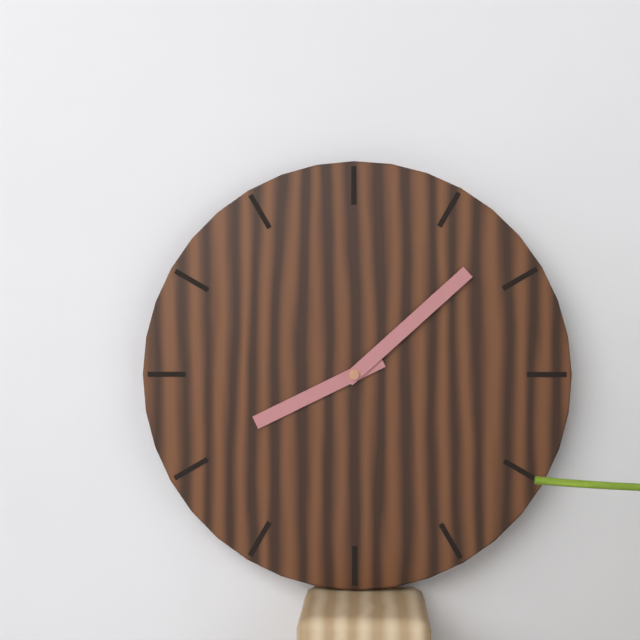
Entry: h=8 m=8
